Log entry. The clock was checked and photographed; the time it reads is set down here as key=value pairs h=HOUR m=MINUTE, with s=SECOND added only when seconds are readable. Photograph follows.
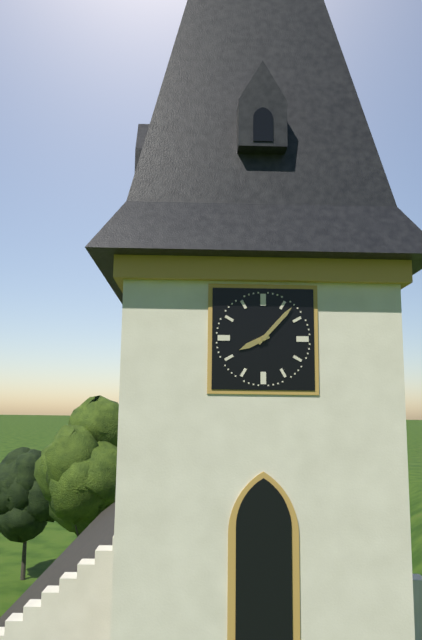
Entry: h=8 m=7
